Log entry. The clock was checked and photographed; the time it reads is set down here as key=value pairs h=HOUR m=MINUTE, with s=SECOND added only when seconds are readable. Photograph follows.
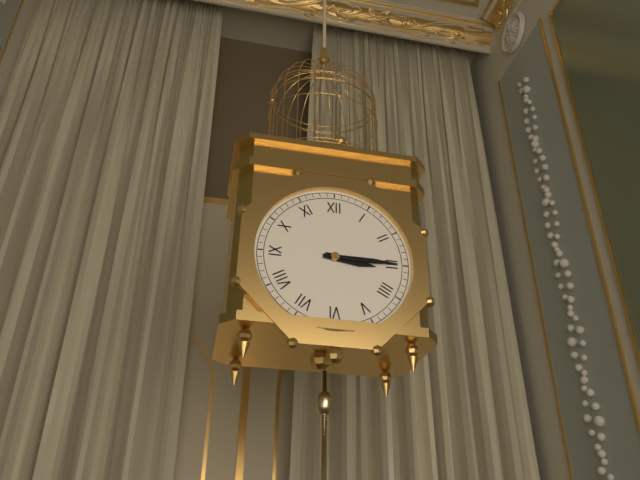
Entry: h=3 m=15
